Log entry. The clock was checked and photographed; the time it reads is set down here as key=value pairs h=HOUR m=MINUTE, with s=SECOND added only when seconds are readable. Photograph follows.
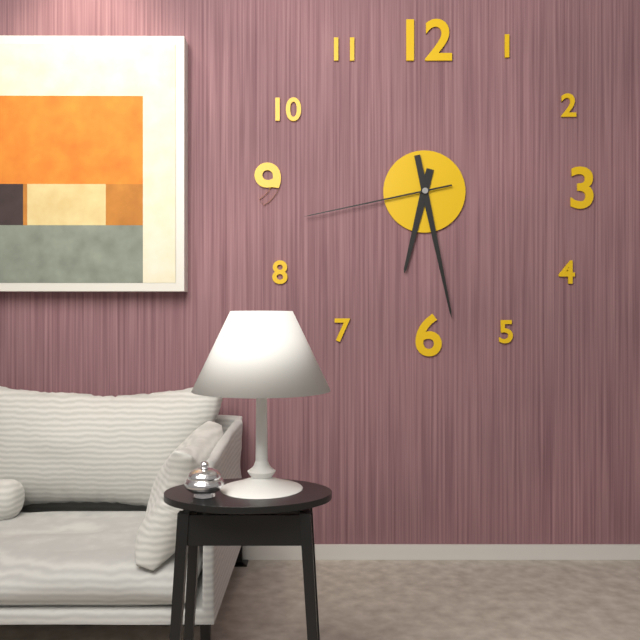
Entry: h=6 m=28 s=43
